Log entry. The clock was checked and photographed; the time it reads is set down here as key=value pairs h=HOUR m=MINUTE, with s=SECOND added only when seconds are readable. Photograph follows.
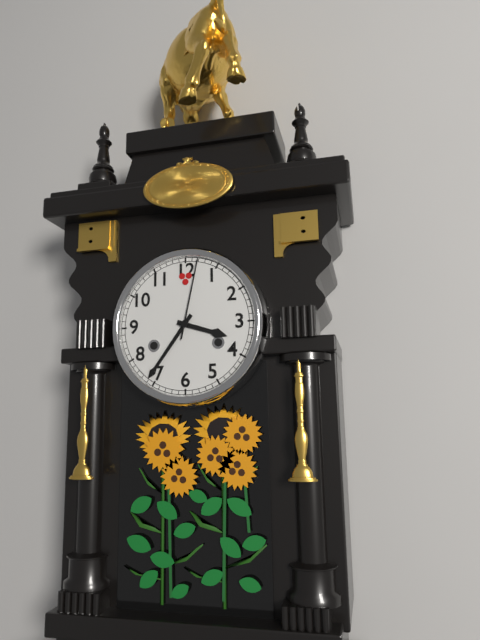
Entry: h=3 m=36 s=2
